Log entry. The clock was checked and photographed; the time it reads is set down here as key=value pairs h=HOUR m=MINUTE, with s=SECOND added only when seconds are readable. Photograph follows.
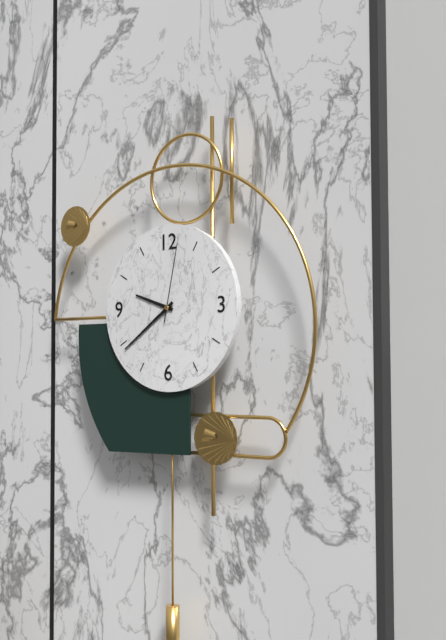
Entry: h=9 m=39 s=2
